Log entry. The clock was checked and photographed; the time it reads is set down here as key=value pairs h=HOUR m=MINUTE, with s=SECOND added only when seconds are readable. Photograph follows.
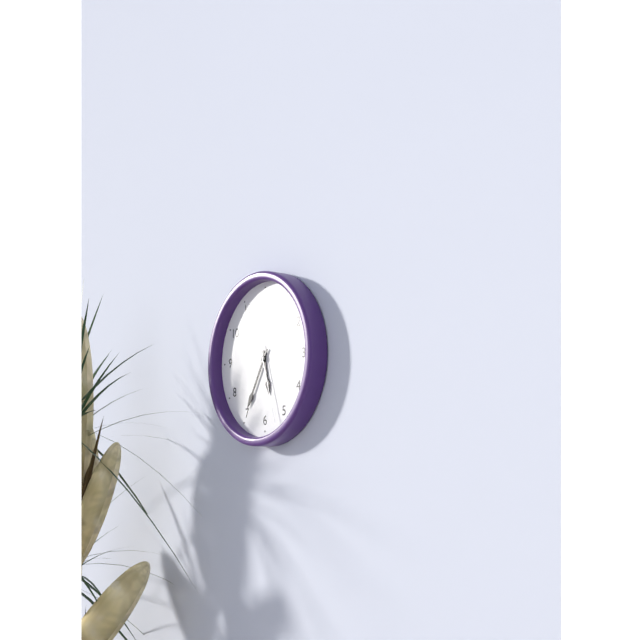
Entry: h=5 m=35 s=27
